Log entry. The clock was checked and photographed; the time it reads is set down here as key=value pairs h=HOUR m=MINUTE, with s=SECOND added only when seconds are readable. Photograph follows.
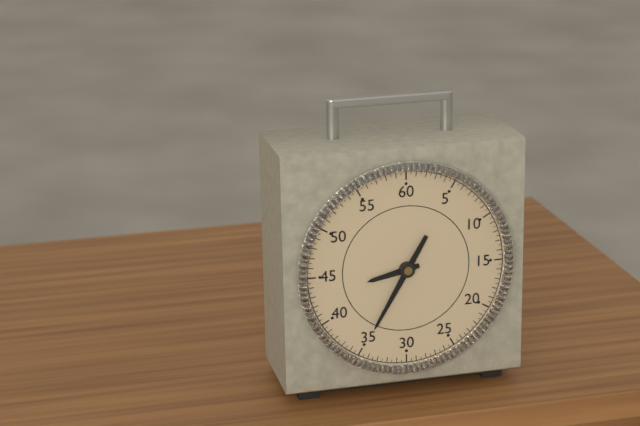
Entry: h=8 m=35
